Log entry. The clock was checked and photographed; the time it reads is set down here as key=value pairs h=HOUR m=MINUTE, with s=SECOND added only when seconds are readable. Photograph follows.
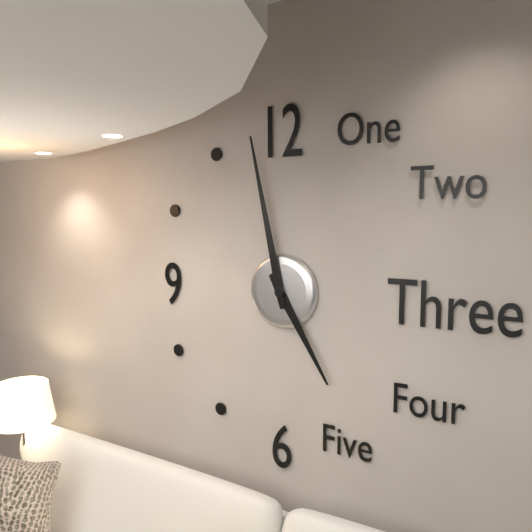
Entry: h=4 m=58
